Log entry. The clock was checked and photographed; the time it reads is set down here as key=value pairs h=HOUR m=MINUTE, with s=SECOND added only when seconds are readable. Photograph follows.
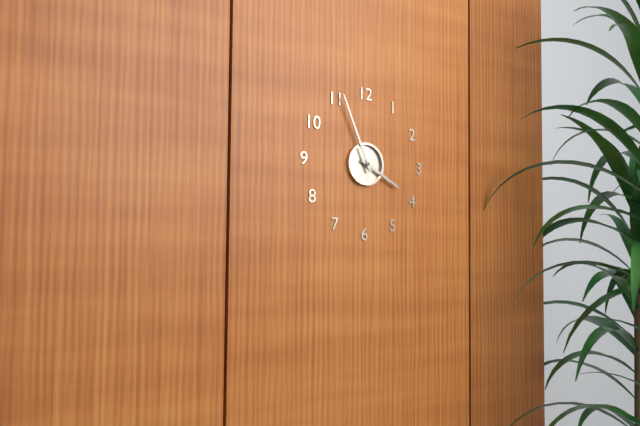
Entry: h=3 m=56
